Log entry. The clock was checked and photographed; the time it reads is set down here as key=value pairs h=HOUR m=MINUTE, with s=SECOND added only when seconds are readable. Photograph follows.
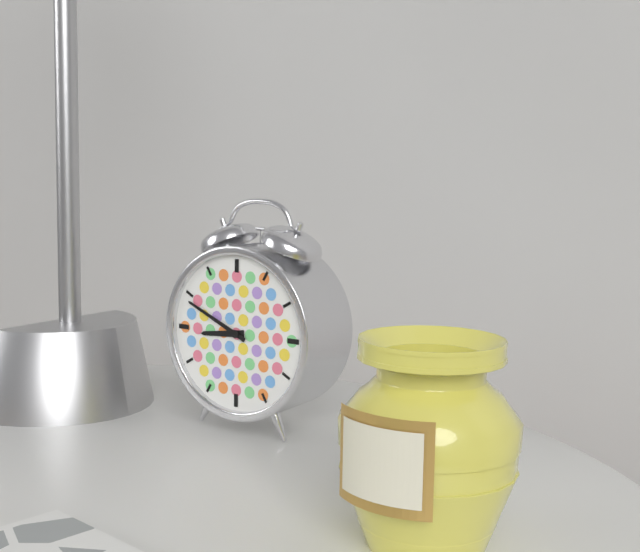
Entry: h=8 m=49
